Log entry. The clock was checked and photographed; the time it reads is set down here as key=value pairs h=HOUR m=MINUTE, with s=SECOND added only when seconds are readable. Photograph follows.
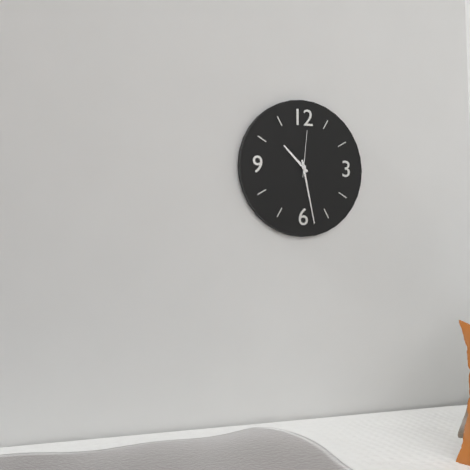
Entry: h=10 m=28
